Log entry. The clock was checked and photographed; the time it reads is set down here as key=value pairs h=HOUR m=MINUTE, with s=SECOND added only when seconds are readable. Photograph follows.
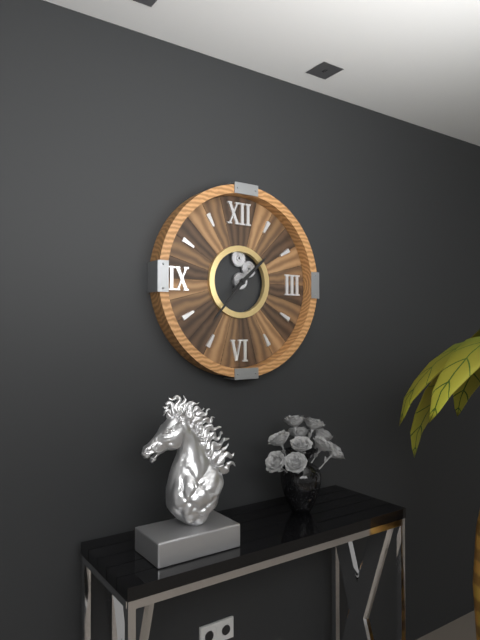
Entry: h=1 m=37
